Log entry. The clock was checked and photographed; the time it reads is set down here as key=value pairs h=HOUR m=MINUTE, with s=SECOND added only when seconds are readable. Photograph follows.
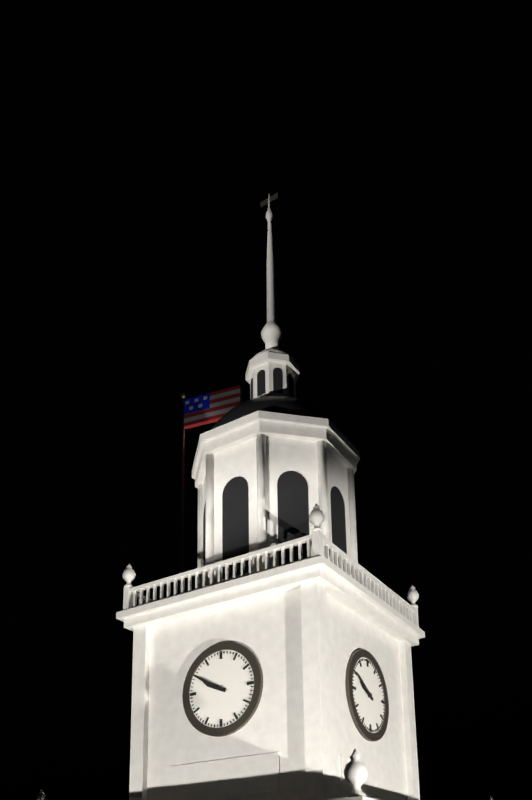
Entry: h=9 m=50
